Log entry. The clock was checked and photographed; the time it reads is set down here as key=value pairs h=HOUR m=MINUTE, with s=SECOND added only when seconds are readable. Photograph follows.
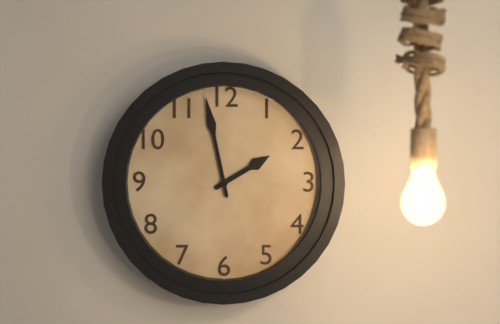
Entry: h=1 m=58
